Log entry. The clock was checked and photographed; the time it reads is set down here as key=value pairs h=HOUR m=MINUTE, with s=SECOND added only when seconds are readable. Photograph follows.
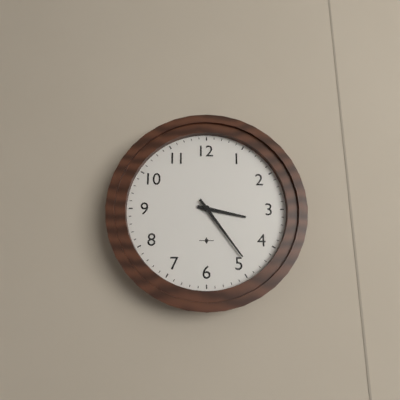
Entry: h=3 m=24
